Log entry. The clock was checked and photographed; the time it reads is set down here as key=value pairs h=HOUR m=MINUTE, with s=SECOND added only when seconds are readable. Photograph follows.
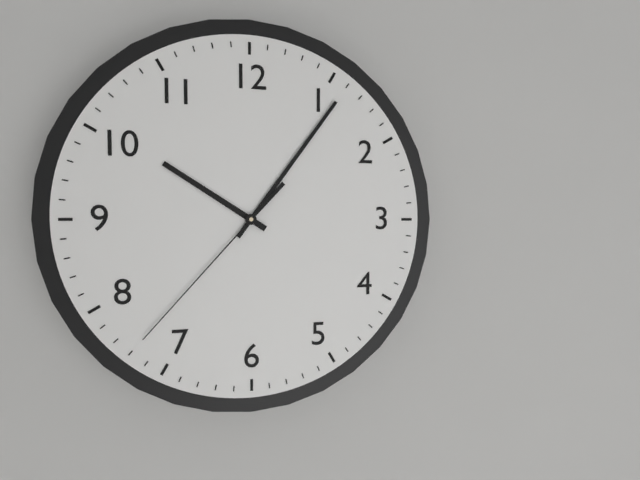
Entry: h=10 m=6 s=37
